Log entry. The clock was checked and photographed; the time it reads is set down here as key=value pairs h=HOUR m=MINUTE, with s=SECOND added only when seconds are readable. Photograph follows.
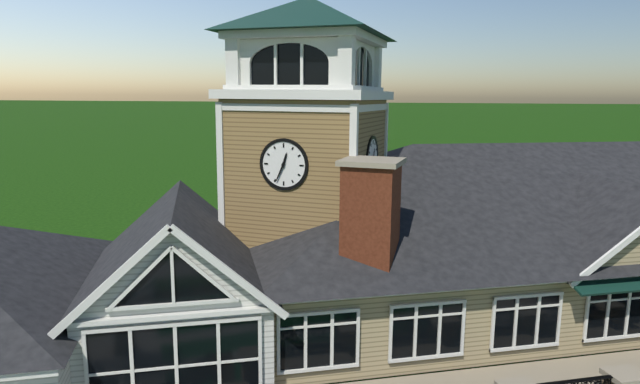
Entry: h=12 m=34
